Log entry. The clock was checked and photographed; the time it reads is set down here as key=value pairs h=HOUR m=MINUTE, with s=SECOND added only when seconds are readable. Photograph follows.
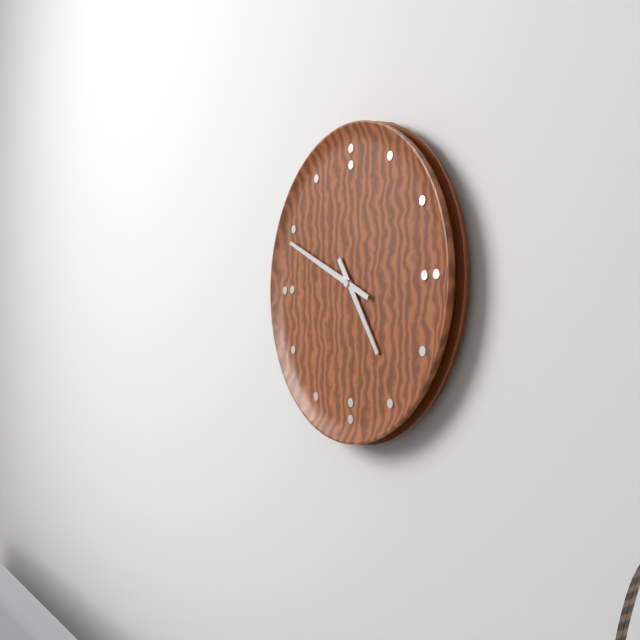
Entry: h=4 m=49
